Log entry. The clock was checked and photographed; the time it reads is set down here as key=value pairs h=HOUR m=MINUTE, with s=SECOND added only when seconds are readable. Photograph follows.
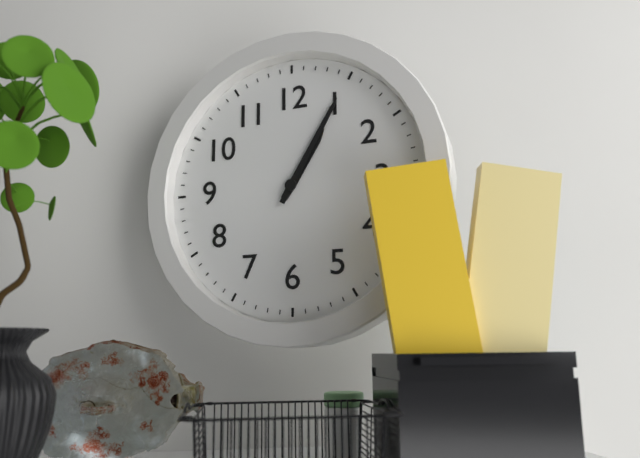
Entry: h=1 m=5
